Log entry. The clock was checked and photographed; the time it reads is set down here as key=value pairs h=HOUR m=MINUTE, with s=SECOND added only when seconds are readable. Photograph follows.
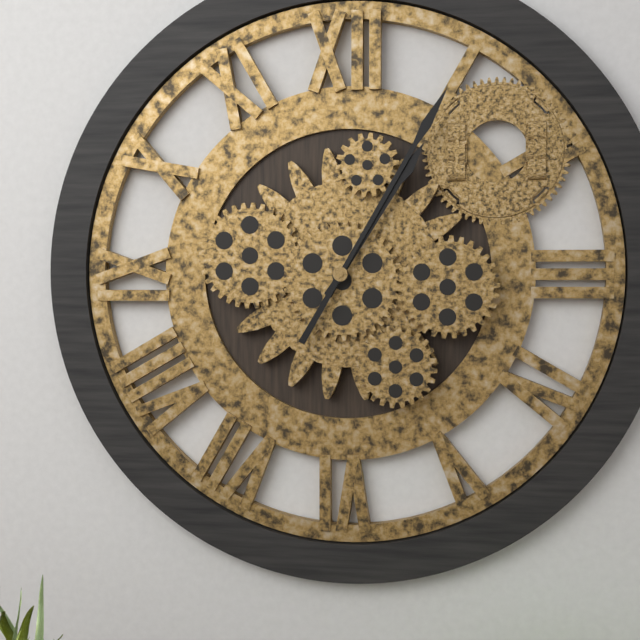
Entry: h=1 m=5
